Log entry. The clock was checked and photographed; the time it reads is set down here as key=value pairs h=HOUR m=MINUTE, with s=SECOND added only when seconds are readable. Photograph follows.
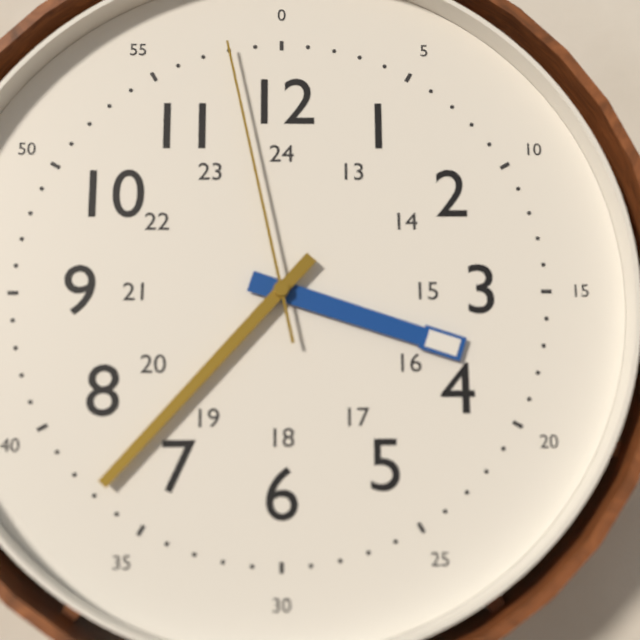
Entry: h=3 m=37 s=58
